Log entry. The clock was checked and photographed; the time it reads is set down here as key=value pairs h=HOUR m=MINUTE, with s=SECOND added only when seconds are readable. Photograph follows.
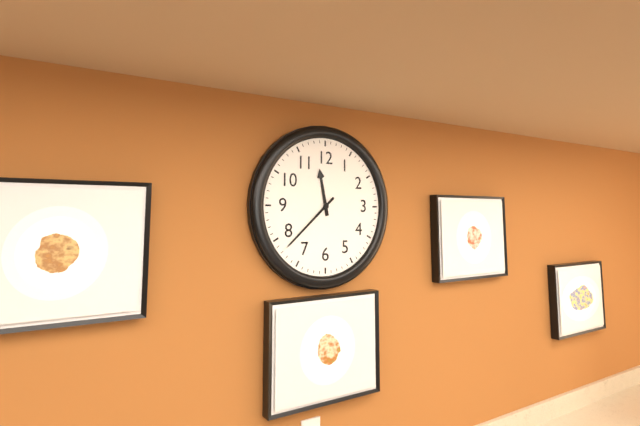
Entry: h=11 m=38
